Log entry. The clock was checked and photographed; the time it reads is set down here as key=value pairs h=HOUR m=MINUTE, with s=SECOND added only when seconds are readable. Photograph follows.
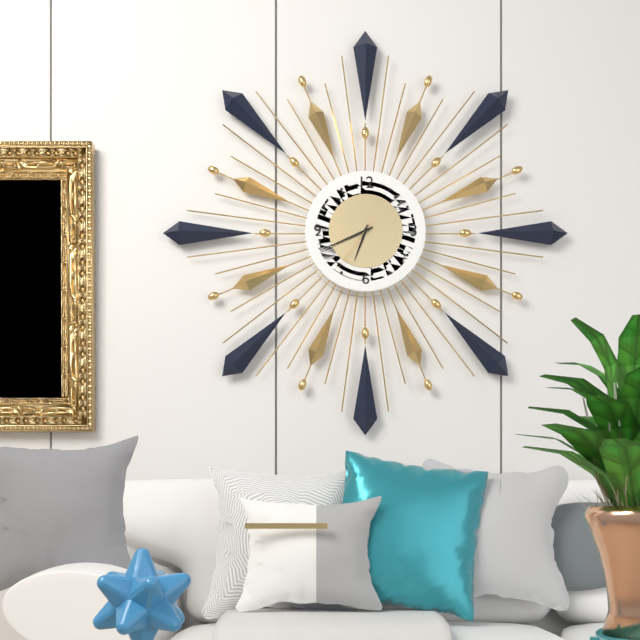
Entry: h=6 m=41 s=36
